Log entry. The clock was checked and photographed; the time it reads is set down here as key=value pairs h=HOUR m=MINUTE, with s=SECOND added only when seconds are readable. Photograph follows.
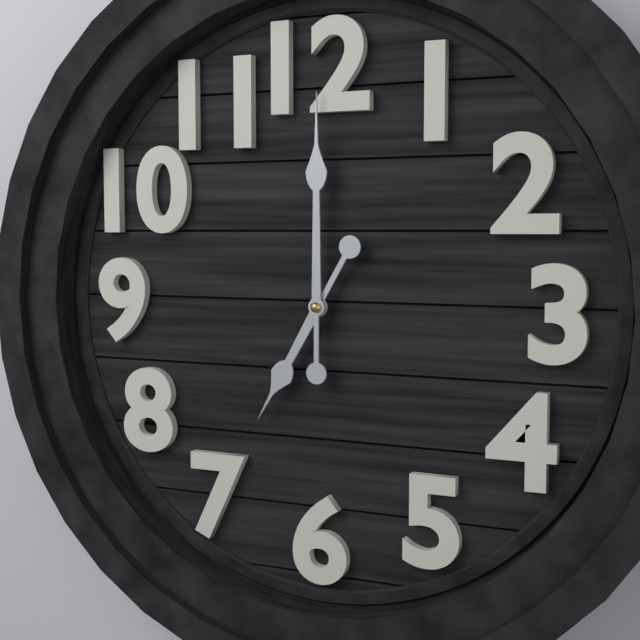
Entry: h=7 m=0
